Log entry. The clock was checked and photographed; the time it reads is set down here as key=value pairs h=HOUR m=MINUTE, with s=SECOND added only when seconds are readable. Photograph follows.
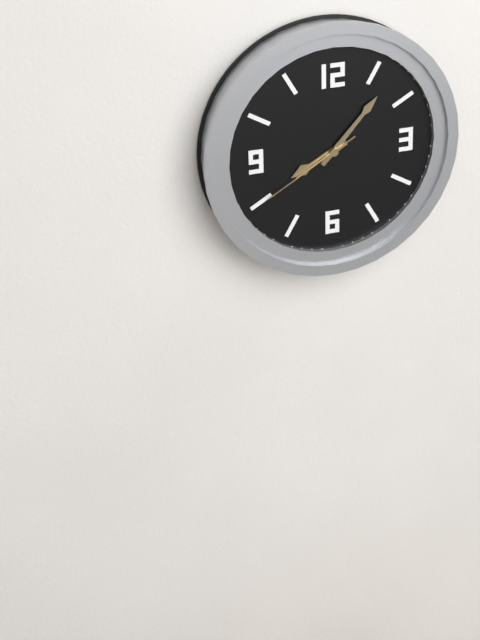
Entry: h=8 m=7 s=40
